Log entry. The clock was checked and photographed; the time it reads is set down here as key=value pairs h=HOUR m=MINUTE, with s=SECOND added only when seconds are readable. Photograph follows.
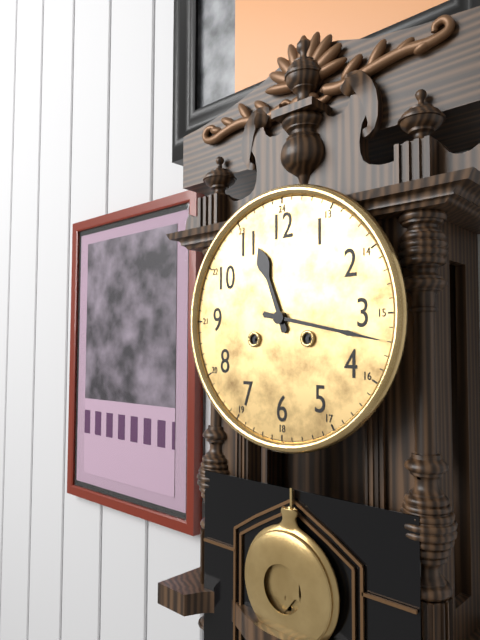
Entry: h=11 m=17
